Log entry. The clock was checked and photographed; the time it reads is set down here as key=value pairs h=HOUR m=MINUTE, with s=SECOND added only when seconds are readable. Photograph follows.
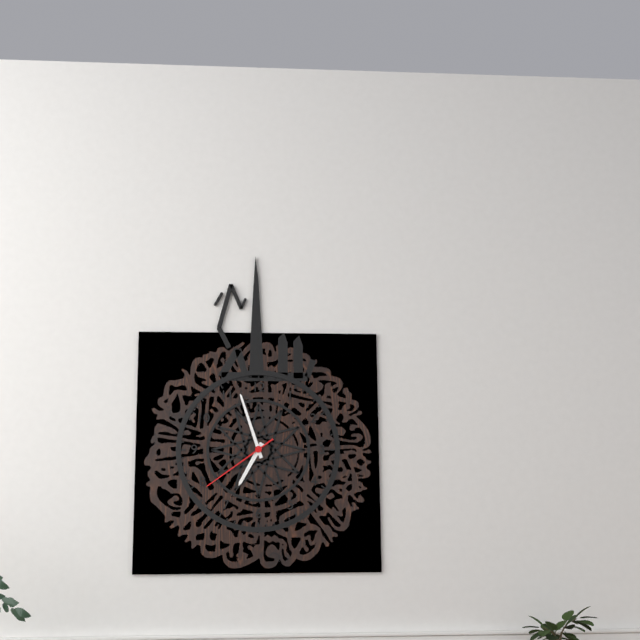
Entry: h=6 m=57 s=39
